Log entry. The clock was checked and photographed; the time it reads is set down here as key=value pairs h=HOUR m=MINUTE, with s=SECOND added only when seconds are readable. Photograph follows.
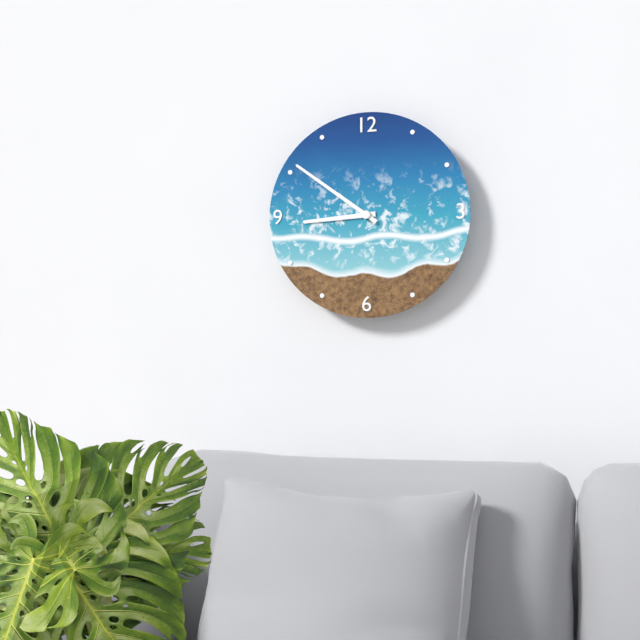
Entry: h=8 m=51
